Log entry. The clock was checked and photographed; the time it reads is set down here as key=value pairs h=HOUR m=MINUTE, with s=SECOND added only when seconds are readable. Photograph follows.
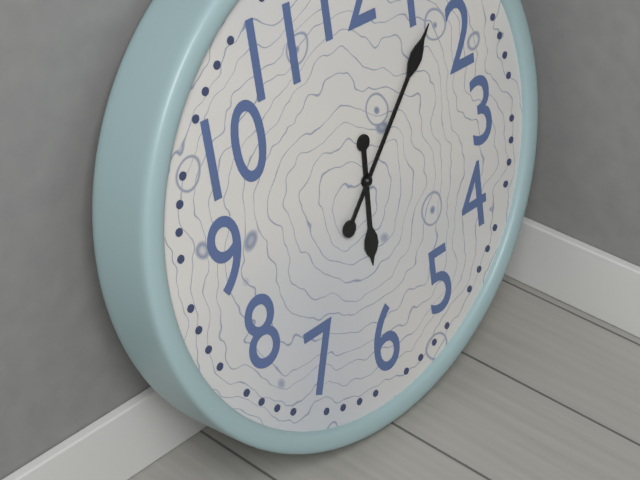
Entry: h=6 m=7
